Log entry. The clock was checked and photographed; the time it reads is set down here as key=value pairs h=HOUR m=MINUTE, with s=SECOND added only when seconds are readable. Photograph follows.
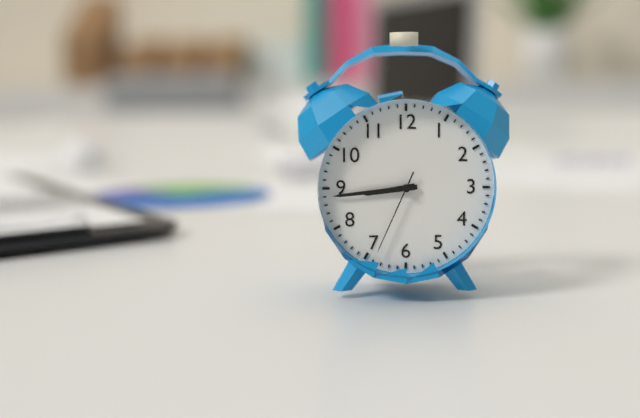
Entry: h=8 m=44 s=34
